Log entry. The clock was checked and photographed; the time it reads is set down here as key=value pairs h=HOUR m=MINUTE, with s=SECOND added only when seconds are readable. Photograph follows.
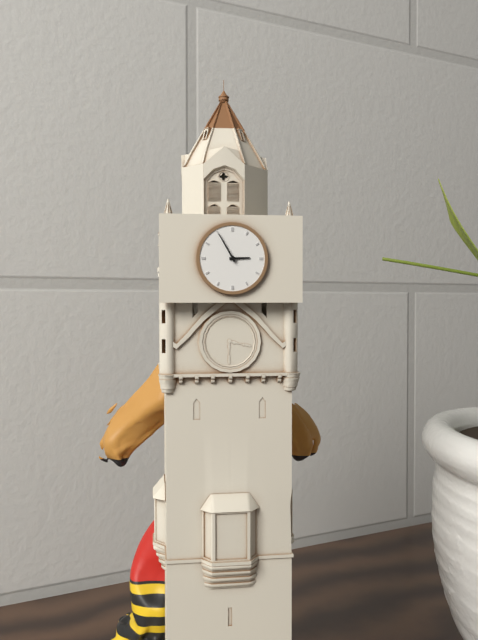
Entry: h=2 m=55
